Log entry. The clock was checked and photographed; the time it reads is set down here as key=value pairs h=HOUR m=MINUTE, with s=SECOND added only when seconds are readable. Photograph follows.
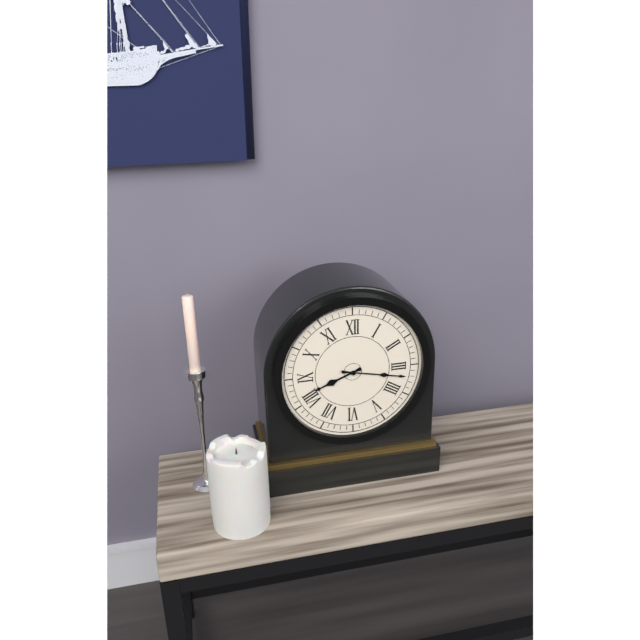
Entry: h=8 m=17
